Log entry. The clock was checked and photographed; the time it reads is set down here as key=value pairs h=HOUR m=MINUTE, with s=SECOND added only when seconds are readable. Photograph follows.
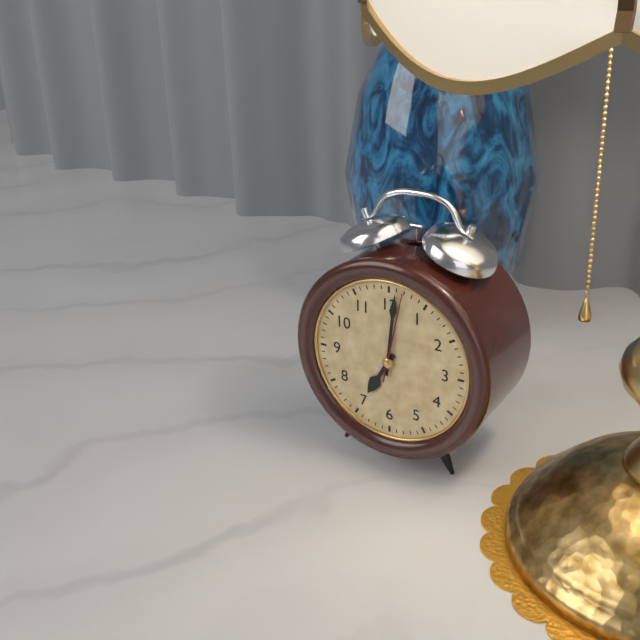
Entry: h=7 m=1 s=2
